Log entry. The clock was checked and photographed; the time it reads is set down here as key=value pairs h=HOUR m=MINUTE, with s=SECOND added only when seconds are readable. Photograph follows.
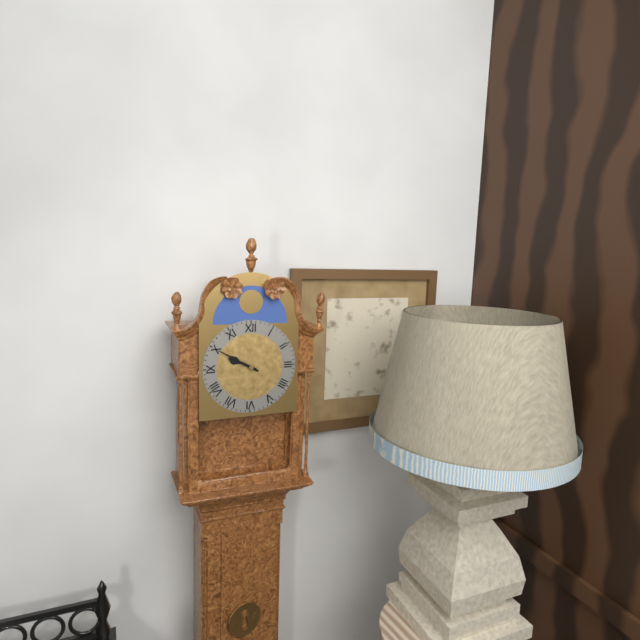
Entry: h=9 m=50
